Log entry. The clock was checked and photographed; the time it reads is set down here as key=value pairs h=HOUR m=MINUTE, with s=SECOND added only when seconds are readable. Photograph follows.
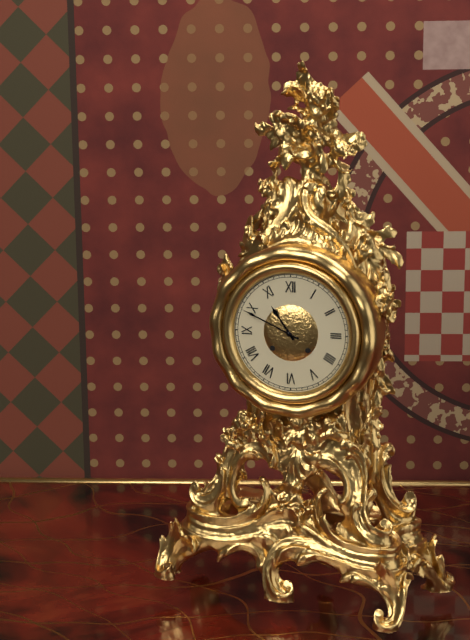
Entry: h=10 m=49
